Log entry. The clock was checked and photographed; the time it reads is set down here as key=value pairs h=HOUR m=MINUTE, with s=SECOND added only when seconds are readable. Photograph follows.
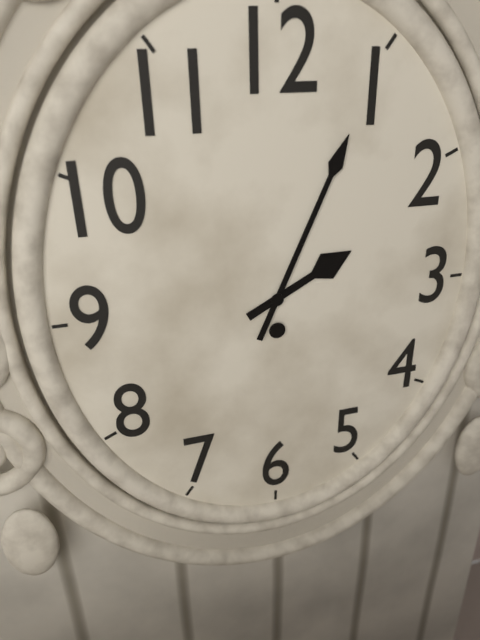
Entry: h=2 m=4
